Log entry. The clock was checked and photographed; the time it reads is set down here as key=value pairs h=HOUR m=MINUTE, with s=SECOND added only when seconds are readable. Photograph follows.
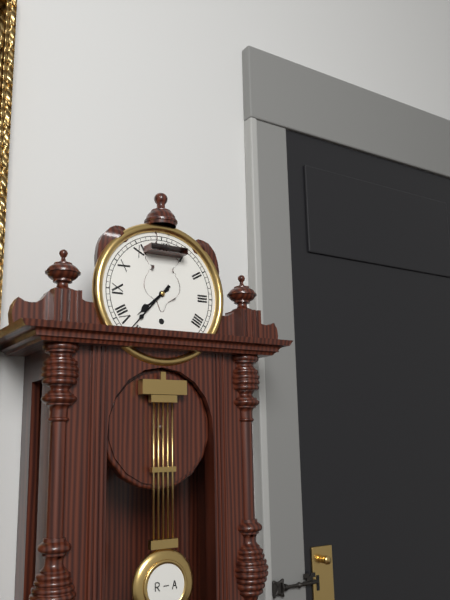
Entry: h=7 m=37
